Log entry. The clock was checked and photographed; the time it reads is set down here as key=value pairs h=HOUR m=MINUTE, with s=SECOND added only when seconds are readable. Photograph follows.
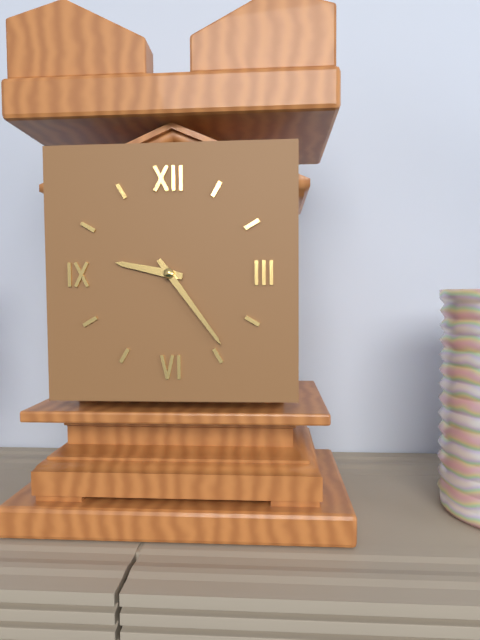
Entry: h=9 m=24
